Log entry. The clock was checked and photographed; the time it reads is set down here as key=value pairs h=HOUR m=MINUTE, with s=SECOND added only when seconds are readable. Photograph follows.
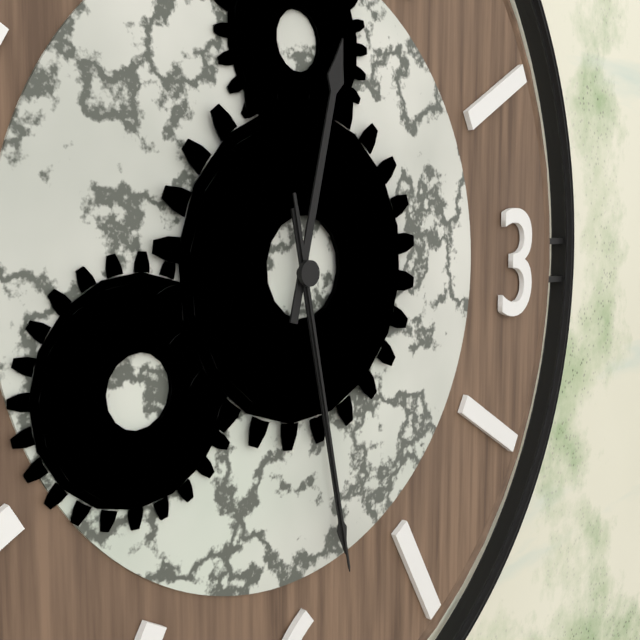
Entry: h=12 m=28 s=28
